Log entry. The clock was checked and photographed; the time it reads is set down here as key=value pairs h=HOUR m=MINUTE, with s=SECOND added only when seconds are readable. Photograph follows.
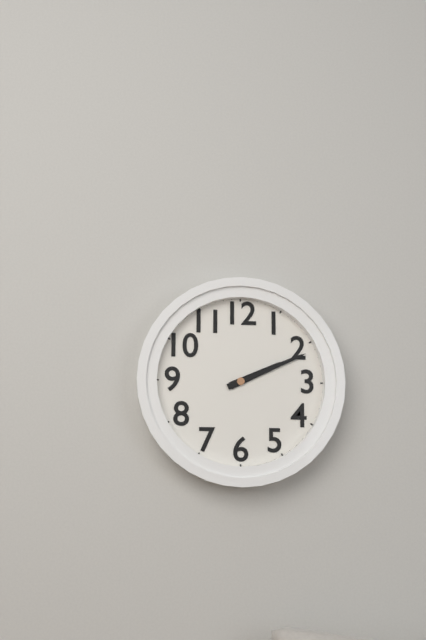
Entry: h=2 m=11
